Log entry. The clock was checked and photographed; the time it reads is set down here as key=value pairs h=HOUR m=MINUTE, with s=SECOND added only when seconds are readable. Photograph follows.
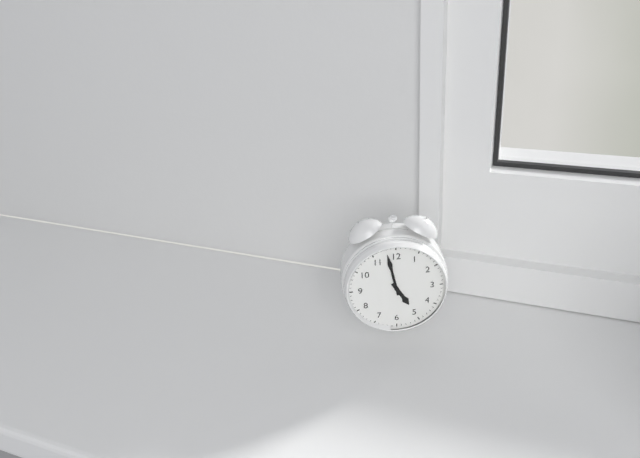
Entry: h=4 m=58
